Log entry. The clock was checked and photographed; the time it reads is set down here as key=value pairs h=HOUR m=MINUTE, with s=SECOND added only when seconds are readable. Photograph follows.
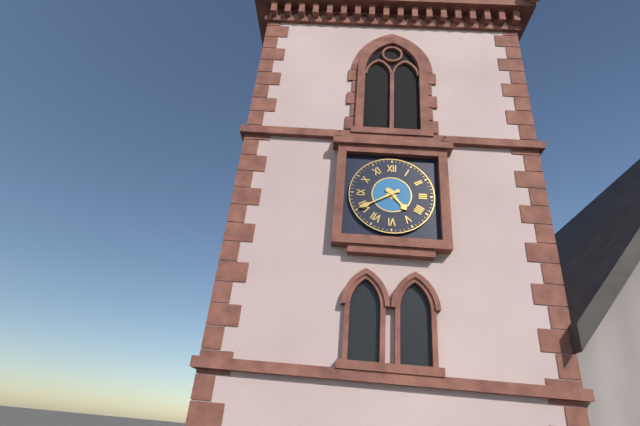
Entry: h=4 m=40
